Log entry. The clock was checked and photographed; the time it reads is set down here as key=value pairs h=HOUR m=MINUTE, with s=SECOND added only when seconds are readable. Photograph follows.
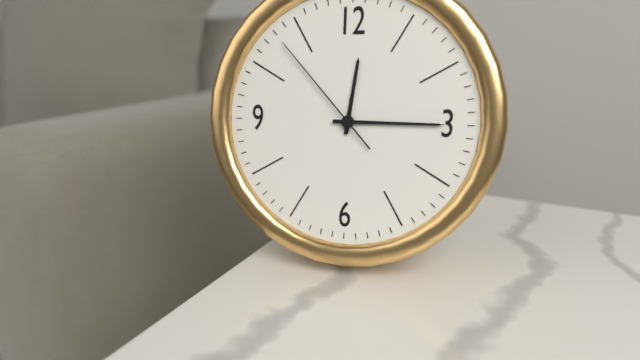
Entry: h=12 m=15 s=53
